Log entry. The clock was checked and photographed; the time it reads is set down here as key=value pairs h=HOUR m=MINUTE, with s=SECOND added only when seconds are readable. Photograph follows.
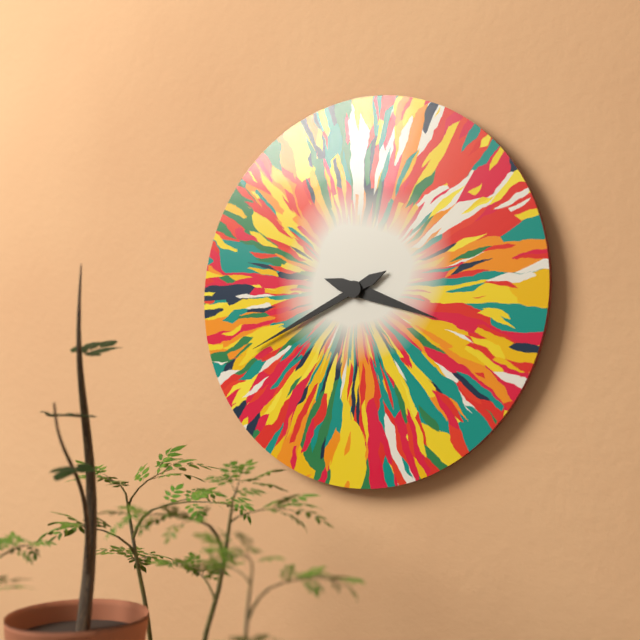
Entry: h=3 m=41
